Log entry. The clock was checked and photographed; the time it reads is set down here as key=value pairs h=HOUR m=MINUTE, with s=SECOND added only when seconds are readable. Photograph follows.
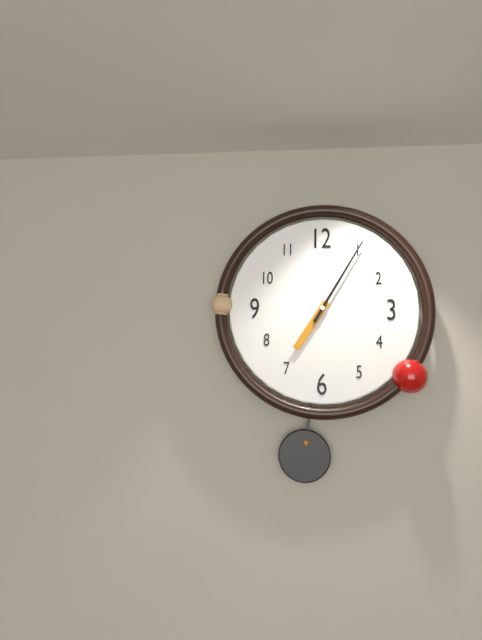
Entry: h=7 m=5
